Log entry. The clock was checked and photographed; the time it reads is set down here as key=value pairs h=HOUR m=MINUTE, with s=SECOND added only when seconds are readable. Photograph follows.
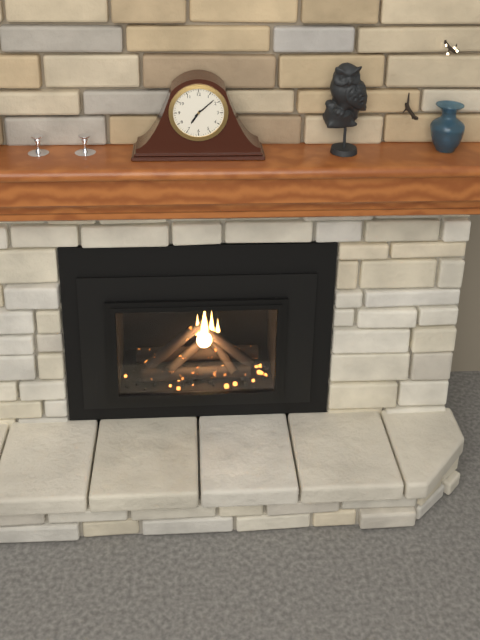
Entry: h=7 m=8
